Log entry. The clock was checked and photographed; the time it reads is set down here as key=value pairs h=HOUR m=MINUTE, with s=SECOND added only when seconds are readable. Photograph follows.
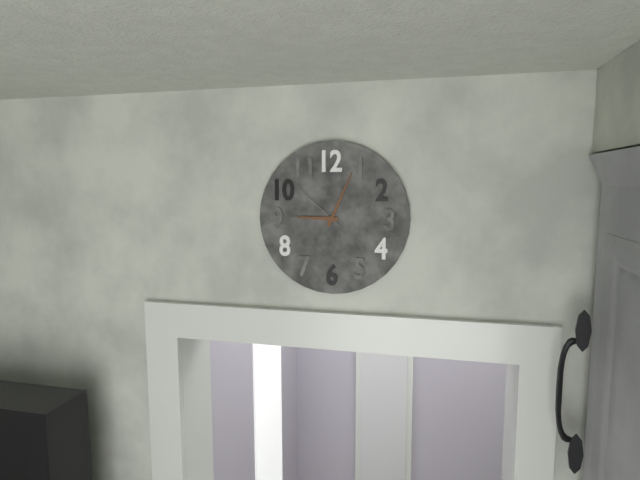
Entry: h=9 m=4 s=52
